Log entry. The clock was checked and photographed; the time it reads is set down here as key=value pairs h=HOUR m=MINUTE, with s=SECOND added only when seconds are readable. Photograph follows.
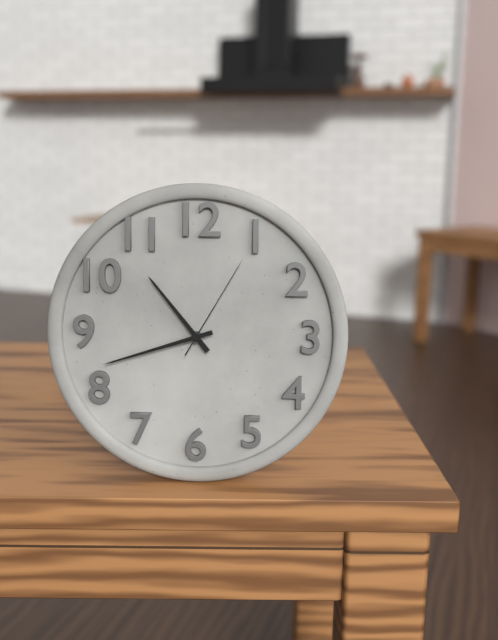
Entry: h=10 m=42 s=5
